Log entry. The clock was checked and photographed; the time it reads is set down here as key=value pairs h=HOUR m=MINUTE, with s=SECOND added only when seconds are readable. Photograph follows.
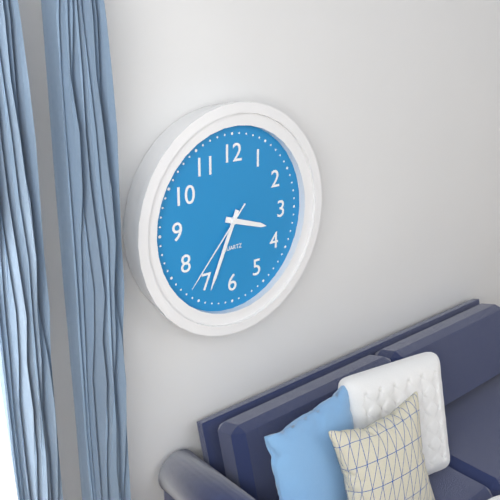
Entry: h=3 m=34 s=37
